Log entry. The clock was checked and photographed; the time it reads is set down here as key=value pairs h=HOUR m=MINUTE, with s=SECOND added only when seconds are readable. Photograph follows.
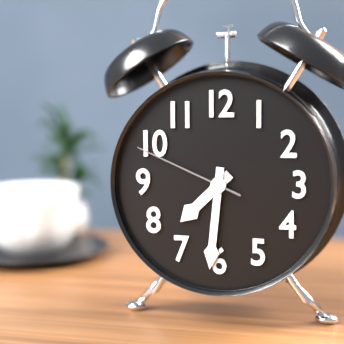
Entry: h=7 m=31 s=49
